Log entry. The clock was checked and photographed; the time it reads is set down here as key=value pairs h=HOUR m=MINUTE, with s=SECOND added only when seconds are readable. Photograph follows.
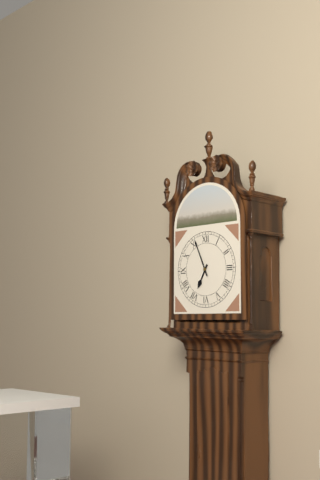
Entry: h=6 m=56
